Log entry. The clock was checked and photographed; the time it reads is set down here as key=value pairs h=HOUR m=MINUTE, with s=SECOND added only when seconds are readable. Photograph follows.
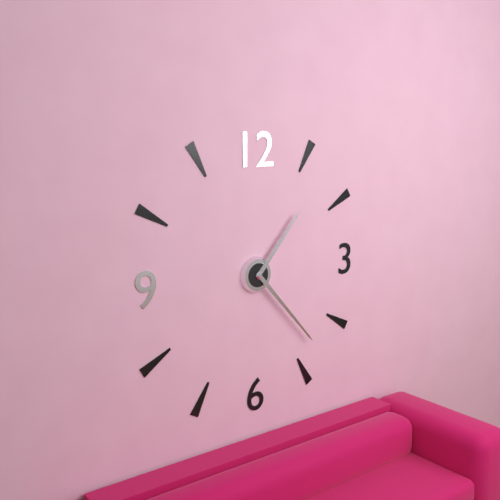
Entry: h=1 m=23
